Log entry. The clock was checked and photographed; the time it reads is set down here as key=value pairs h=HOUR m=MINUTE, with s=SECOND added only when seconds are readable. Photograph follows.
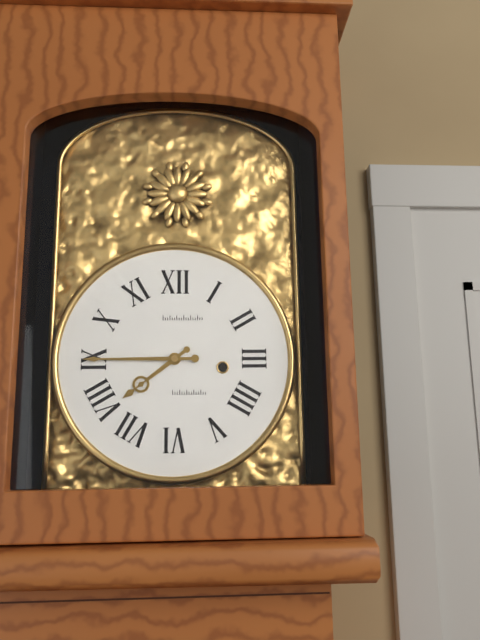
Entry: h=7 m=45
